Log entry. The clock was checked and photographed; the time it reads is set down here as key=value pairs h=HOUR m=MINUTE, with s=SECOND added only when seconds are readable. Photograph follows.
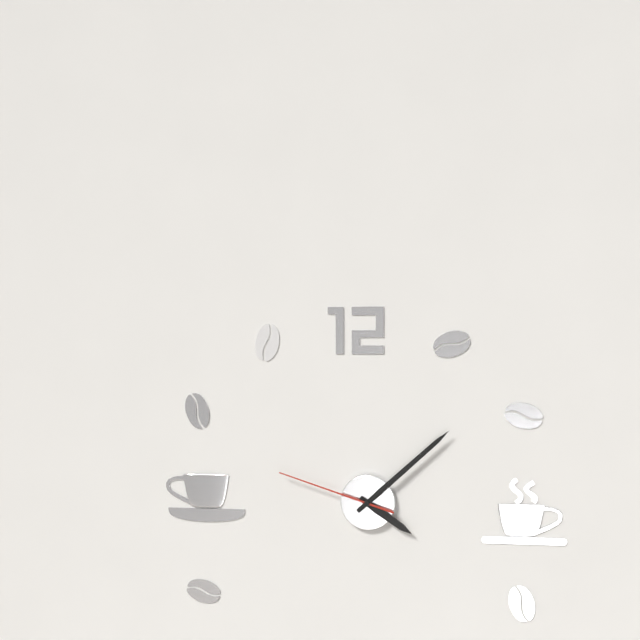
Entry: h=4 m=8 s=48
